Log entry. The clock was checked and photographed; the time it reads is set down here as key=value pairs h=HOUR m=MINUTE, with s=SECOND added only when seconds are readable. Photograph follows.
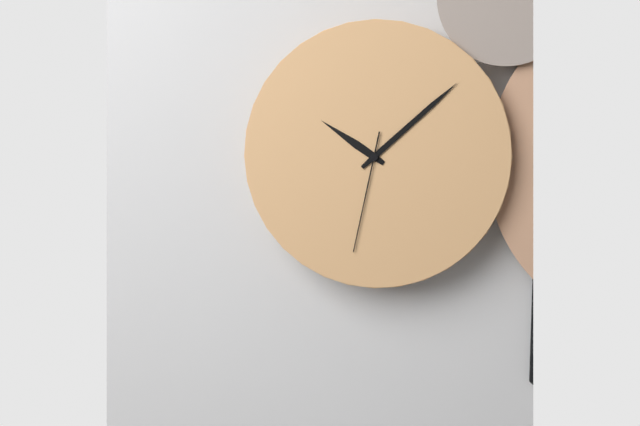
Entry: h=10 m=8 s=32
